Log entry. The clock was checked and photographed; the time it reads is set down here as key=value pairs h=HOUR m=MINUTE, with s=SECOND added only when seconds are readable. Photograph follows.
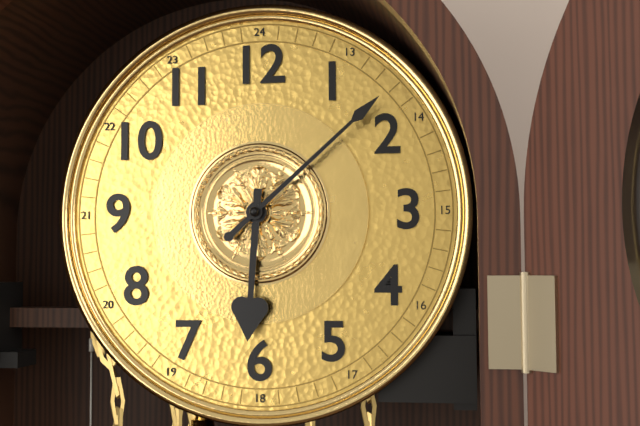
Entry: h=6 m=8
